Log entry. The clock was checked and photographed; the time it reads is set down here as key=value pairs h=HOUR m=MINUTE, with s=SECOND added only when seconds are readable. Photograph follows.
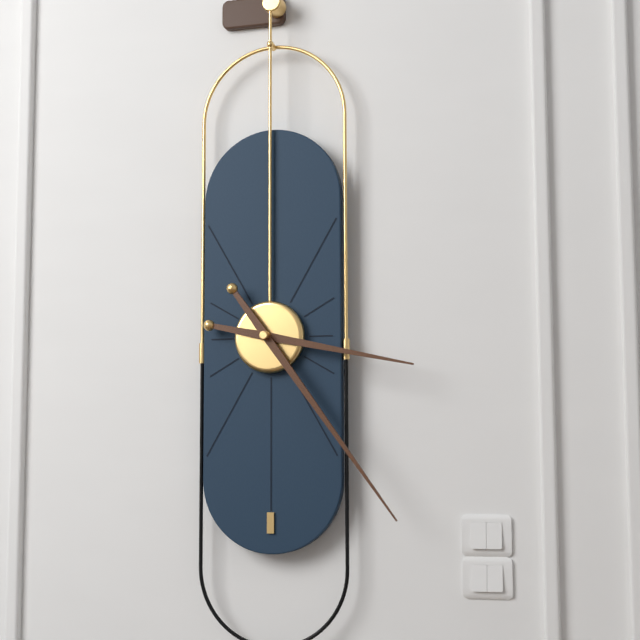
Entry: h=3 m=24
